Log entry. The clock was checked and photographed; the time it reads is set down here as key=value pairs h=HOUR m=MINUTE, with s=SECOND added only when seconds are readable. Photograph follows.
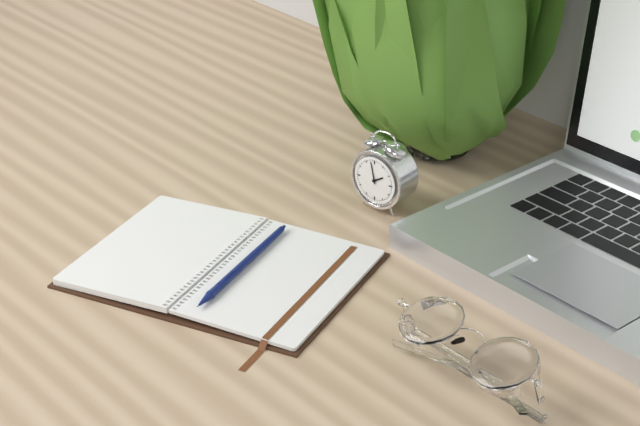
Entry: h=1 m=58
